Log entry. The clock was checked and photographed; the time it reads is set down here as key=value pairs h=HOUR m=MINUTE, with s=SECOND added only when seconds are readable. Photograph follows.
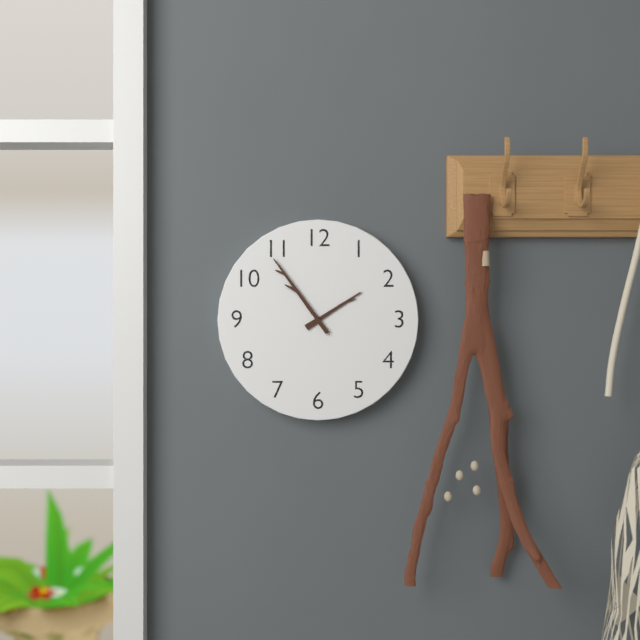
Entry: h=1 m=54
